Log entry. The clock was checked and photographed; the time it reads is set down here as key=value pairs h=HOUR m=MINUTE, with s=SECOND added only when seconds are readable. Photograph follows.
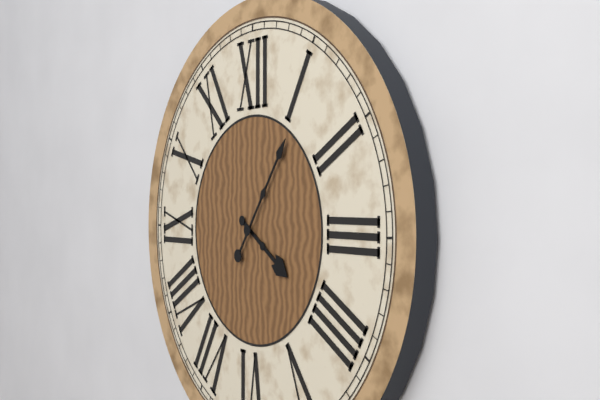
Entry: h=4 m=6
